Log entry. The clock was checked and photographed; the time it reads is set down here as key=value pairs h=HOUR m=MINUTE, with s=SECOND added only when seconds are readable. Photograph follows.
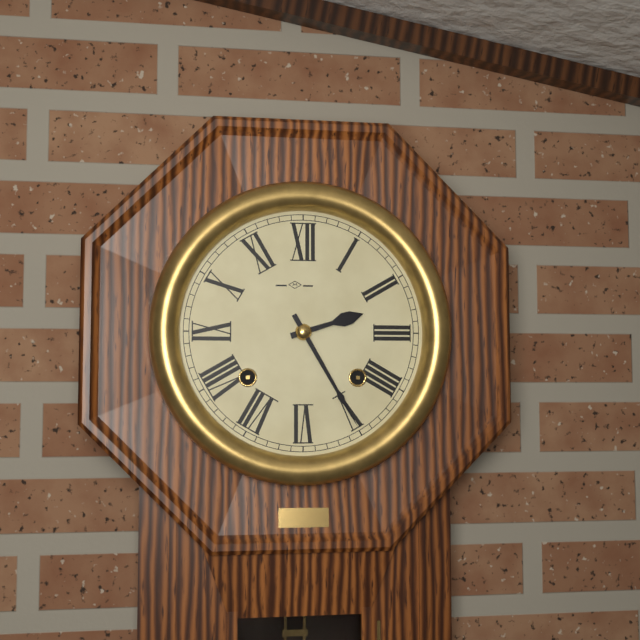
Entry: h=2 m=25
